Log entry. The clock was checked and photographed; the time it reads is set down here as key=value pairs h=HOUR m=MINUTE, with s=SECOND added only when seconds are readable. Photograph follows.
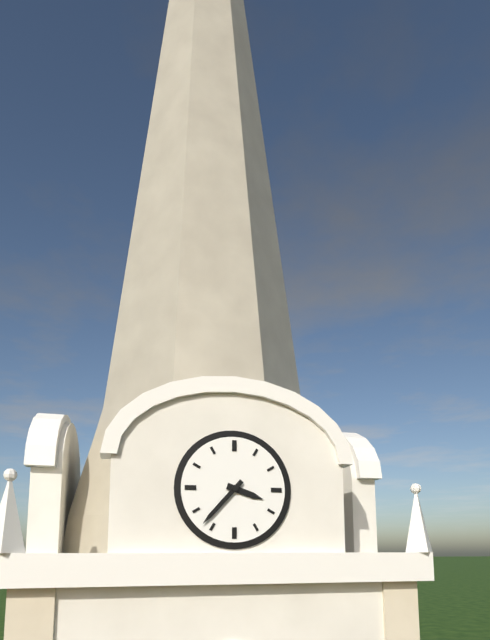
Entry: h=3 m=37
